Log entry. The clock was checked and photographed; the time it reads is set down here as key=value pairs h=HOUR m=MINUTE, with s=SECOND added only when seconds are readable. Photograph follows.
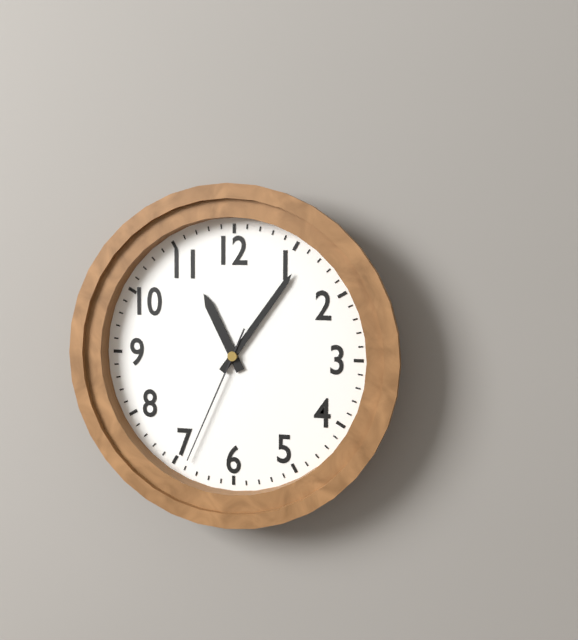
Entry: h=11 m=6 s=34
